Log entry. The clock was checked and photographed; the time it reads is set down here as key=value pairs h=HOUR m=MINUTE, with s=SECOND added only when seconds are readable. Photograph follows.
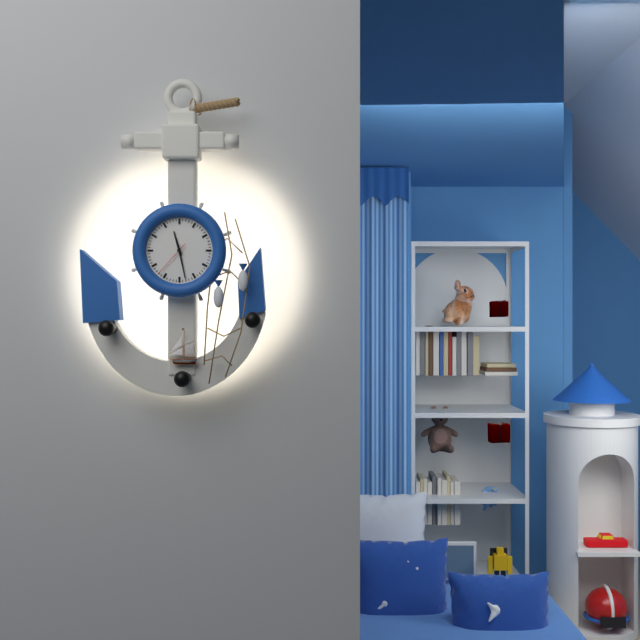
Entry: h=11 m=28
